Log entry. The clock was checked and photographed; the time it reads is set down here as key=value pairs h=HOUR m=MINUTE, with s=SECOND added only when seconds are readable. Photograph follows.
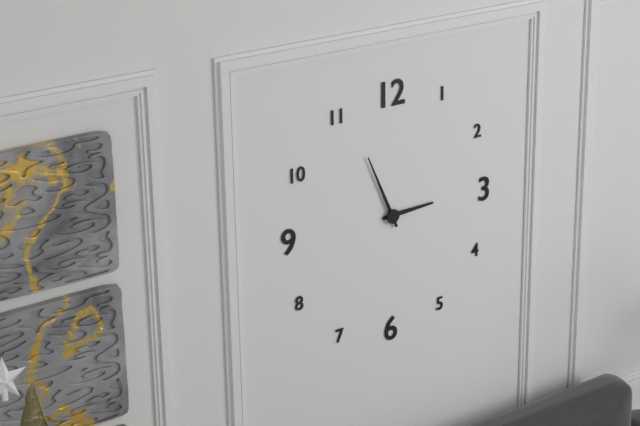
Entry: h=2 m=56
